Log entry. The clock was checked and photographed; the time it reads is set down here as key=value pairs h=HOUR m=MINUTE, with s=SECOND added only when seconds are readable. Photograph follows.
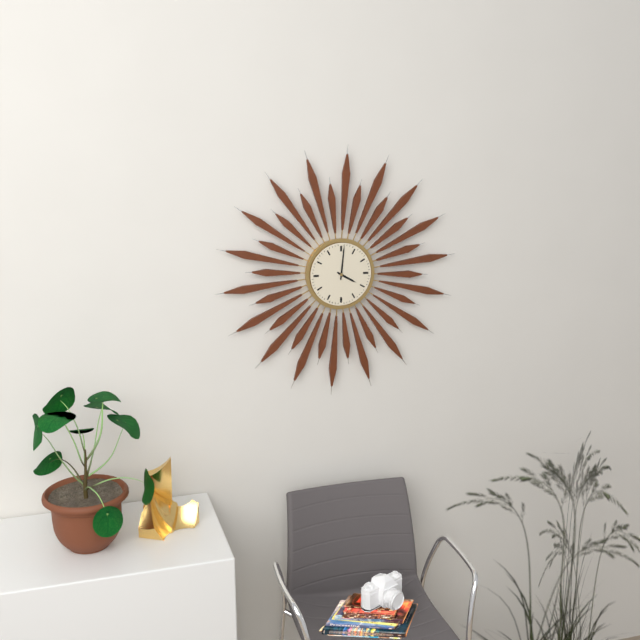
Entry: h=4 m=1
